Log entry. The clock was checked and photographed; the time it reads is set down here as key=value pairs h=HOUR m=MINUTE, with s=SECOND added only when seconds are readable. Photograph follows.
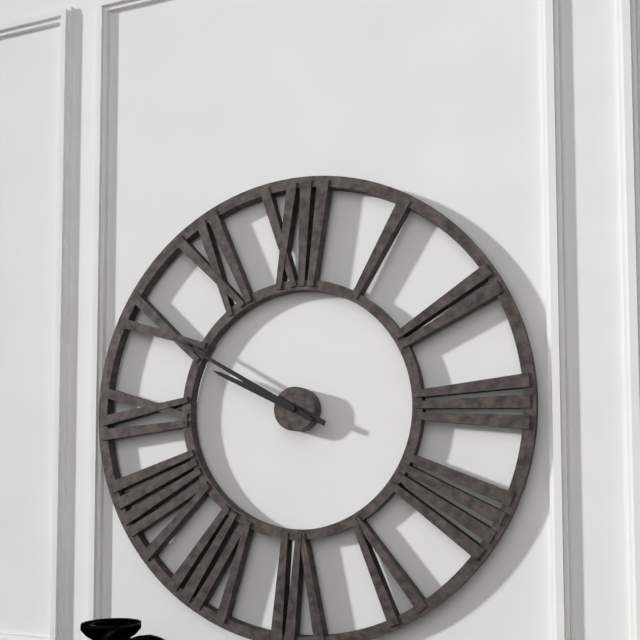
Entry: h=9 m=50
